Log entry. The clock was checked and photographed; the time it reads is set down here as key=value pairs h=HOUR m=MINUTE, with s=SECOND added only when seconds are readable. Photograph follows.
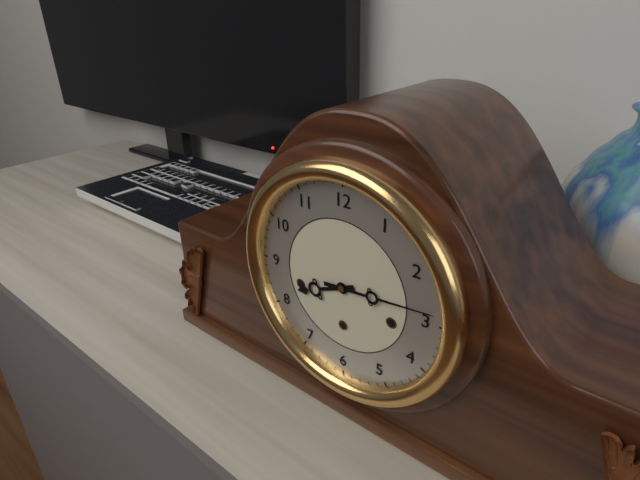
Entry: h=8 m=14
